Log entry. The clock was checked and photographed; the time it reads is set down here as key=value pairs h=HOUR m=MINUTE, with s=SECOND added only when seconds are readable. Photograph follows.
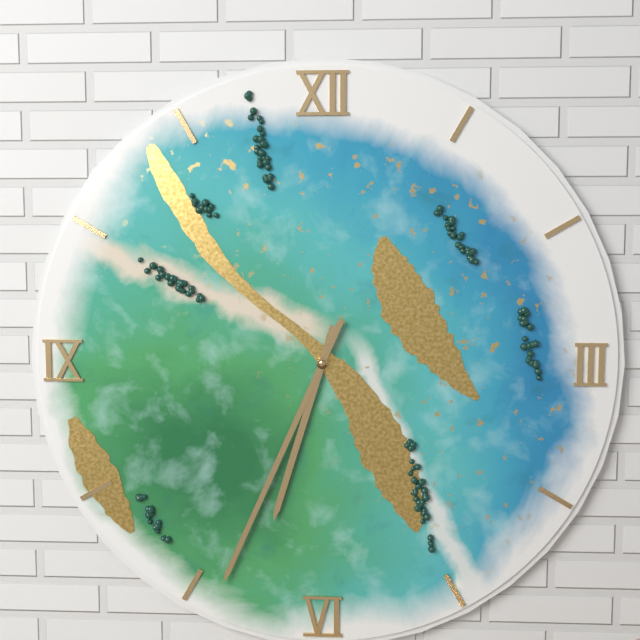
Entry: h=6 m=34
